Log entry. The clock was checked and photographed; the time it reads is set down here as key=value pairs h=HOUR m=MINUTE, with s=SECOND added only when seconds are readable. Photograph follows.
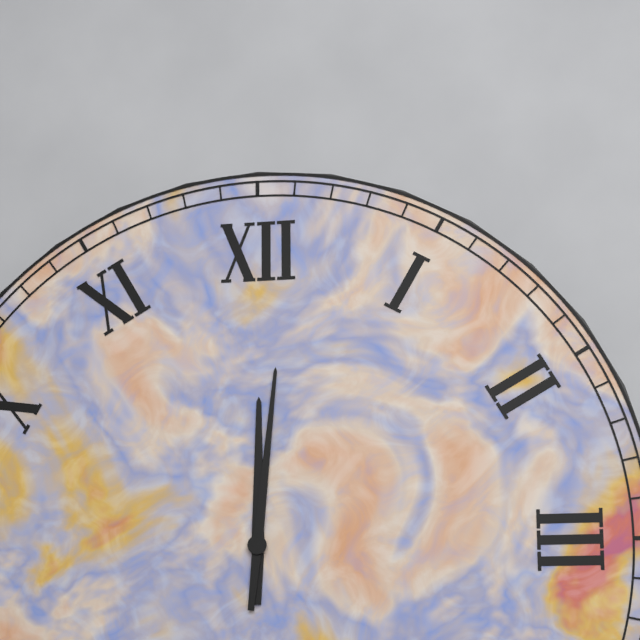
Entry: h=12 m=1
